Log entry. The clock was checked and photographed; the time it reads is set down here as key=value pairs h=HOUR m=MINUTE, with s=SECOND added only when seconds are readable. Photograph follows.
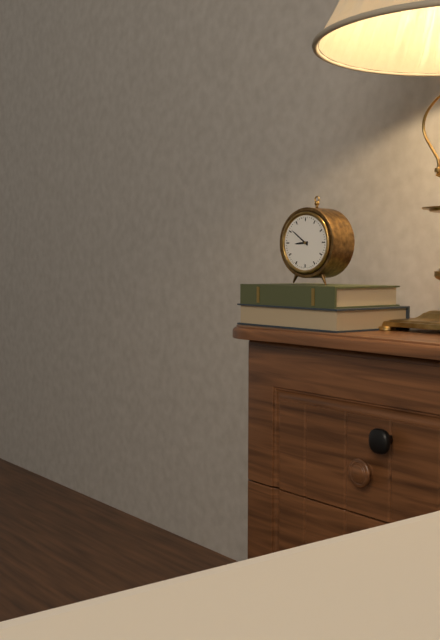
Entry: h=8 m=51
